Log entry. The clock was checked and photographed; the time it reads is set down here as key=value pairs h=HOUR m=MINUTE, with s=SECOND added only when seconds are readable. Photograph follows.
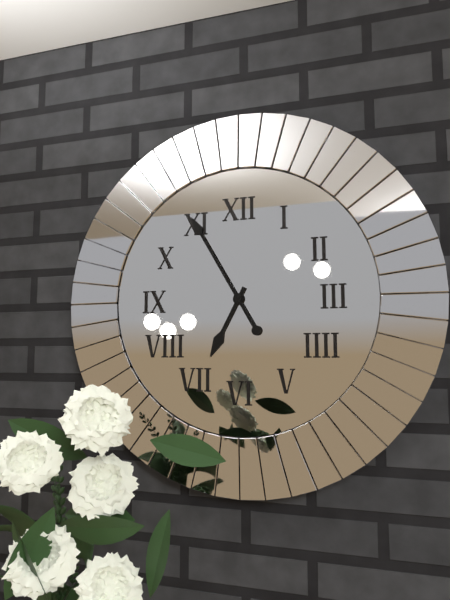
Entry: h=6 m=55
